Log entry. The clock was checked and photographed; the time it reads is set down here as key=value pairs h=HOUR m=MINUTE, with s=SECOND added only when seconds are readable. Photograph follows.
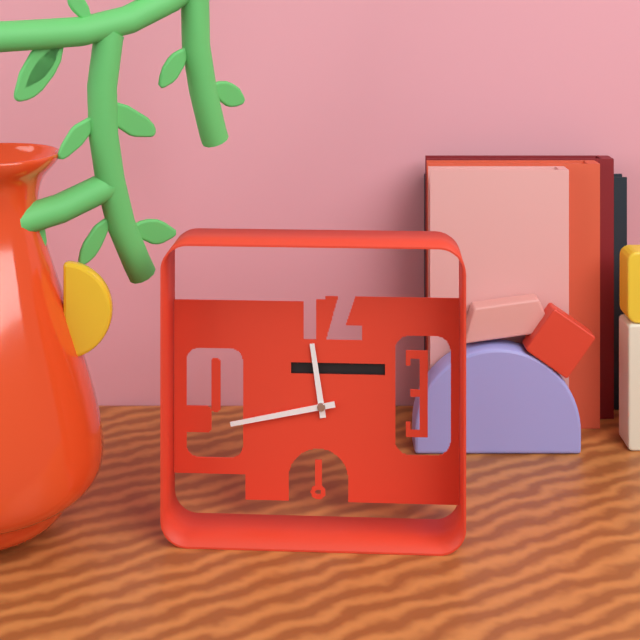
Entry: h=11 m=43
